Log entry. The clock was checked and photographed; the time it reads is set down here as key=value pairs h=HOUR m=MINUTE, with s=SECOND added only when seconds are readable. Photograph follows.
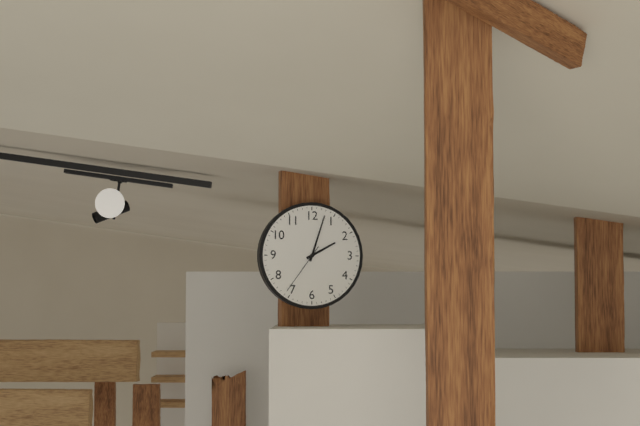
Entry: h=2 m=3 s=36
